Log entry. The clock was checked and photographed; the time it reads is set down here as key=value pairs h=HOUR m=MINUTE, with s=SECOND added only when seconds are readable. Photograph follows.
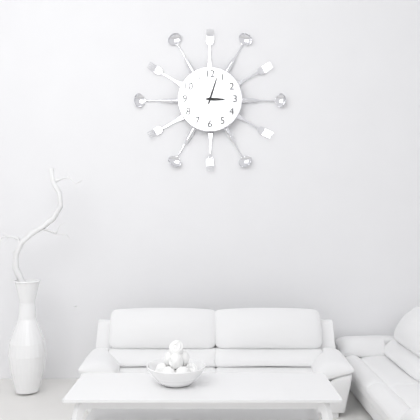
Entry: h=3 m=3
